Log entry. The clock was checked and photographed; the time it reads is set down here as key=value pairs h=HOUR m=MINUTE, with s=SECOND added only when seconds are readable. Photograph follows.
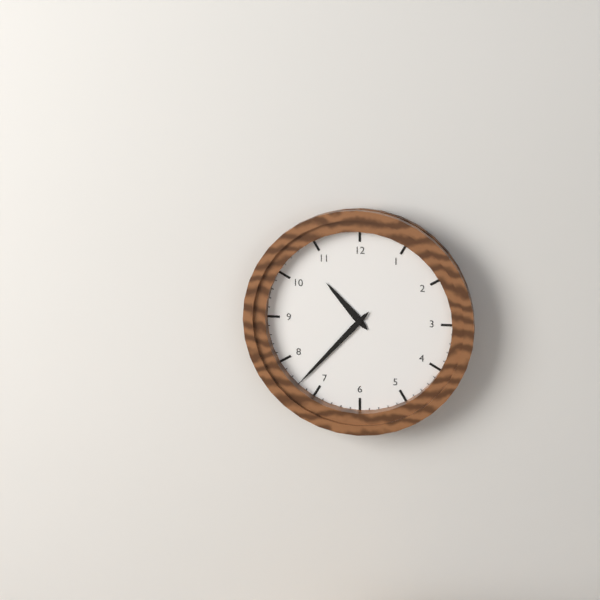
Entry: h=10 m=37
